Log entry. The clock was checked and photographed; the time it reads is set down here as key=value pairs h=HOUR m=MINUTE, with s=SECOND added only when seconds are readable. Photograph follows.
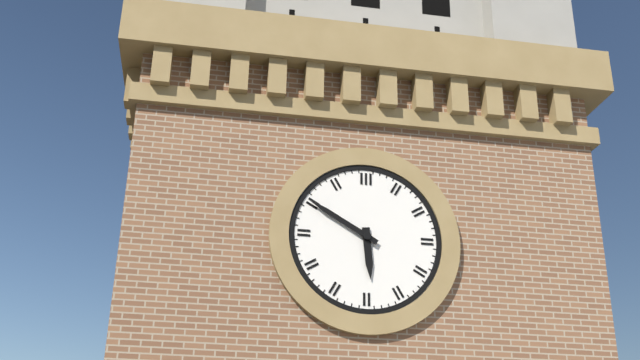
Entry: h=5 m=50
